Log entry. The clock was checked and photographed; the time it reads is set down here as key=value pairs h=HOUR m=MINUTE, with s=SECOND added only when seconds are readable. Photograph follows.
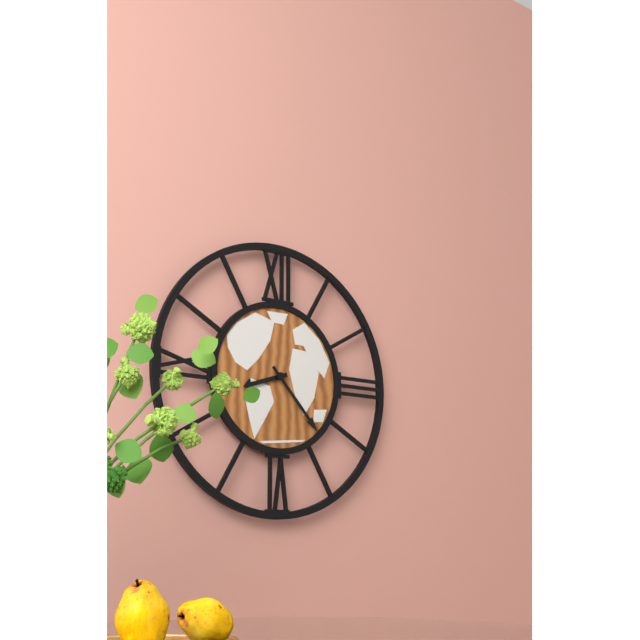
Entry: h=8 m=23
